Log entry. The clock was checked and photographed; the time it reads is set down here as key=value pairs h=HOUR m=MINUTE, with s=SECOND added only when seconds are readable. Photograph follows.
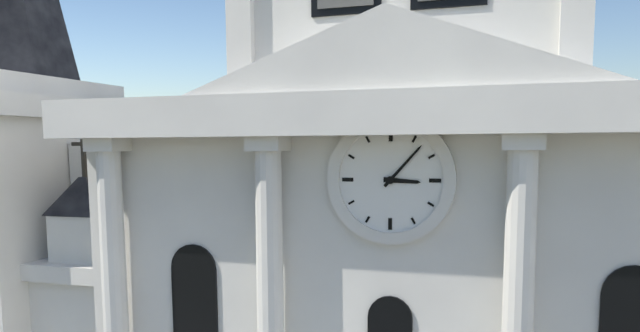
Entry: h=3 m=7
